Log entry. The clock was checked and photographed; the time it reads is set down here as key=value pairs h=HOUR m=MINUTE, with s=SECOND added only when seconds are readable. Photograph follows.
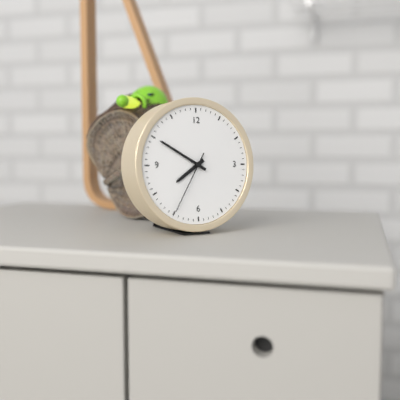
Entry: h=7 m=50 s=35
